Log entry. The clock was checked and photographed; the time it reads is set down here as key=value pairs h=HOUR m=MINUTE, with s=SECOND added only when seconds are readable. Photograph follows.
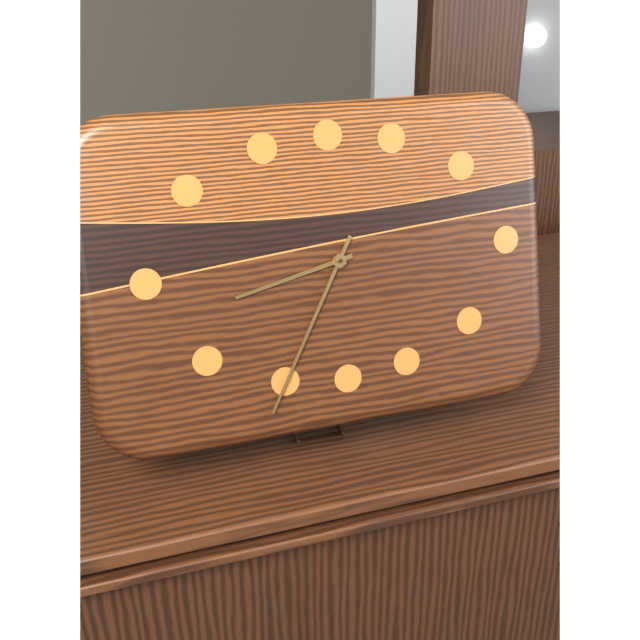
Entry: h=8 m=35
